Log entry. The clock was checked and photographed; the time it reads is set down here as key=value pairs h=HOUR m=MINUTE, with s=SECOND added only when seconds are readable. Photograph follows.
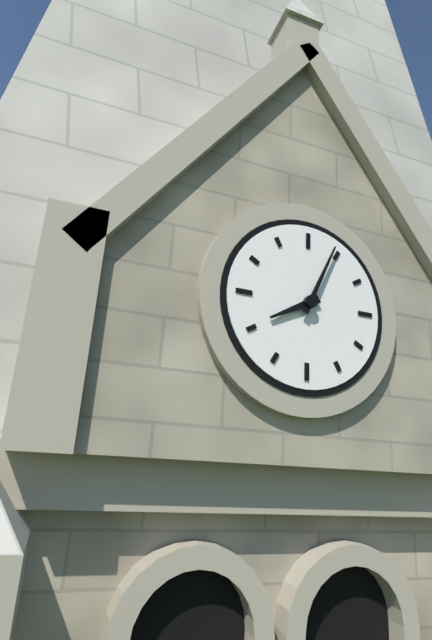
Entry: h=8 m=4
